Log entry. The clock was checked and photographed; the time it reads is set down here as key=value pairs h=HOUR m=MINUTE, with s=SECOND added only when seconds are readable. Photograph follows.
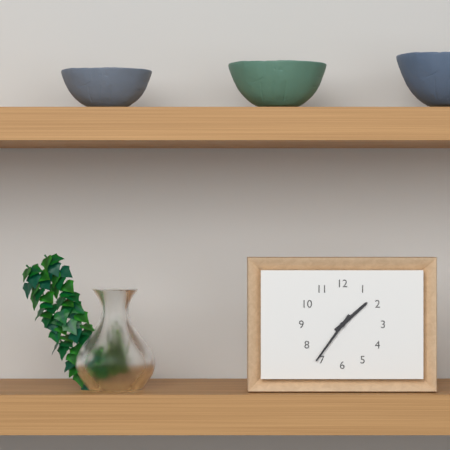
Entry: h=1 m=36
